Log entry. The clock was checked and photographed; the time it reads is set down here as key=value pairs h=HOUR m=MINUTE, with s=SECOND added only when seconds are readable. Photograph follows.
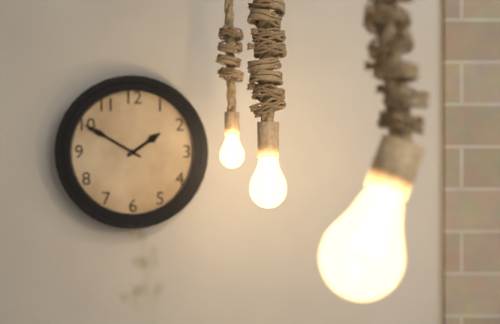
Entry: h=1 m=50
